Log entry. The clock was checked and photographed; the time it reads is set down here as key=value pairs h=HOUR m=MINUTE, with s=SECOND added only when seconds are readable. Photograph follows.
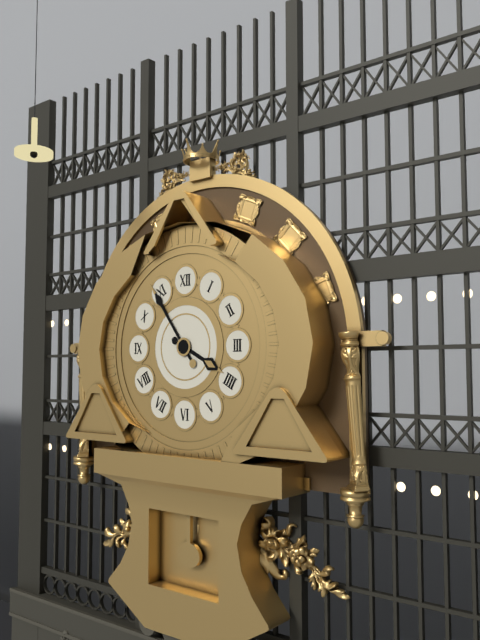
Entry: h=3 m=54
